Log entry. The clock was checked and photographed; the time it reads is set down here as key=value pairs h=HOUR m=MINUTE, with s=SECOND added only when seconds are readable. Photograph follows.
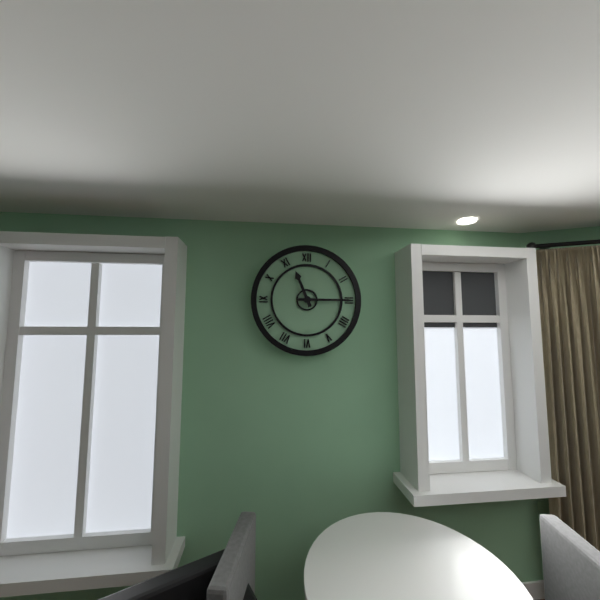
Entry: h=11 m=15
